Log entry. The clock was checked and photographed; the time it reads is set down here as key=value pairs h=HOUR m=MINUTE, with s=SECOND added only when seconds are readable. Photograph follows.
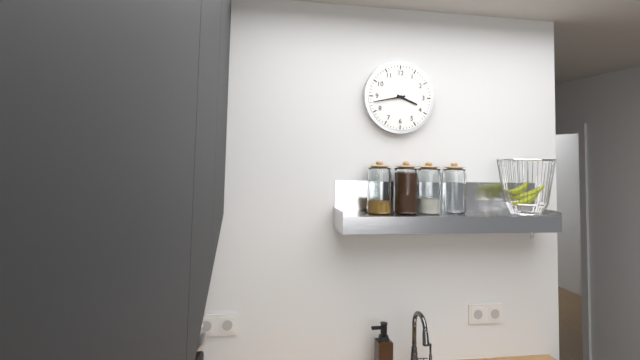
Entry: h=3 m=43
